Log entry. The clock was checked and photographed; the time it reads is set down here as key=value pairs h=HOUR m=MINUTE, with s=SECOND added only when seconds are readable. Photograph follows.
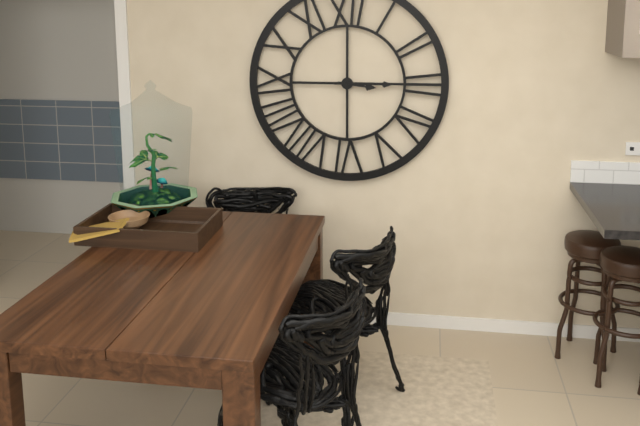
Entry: h=3 m=15
